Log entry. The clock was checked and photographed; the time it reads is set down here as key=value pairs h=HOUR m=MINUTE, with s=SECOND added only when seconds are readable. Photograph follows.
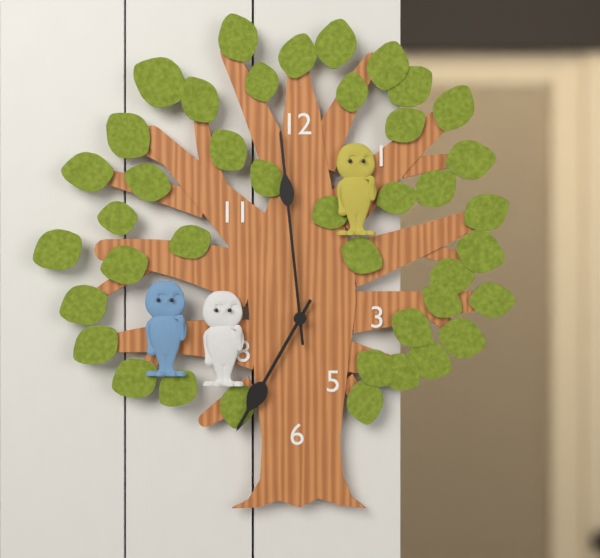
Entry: h=6 m=59
